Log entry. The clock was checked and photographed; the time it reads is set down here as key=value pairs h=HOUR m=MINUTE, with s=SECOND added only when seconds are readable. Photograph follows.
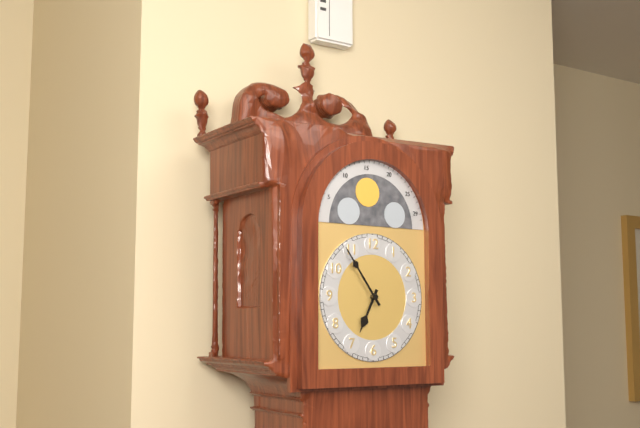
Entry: h=6 m=54
